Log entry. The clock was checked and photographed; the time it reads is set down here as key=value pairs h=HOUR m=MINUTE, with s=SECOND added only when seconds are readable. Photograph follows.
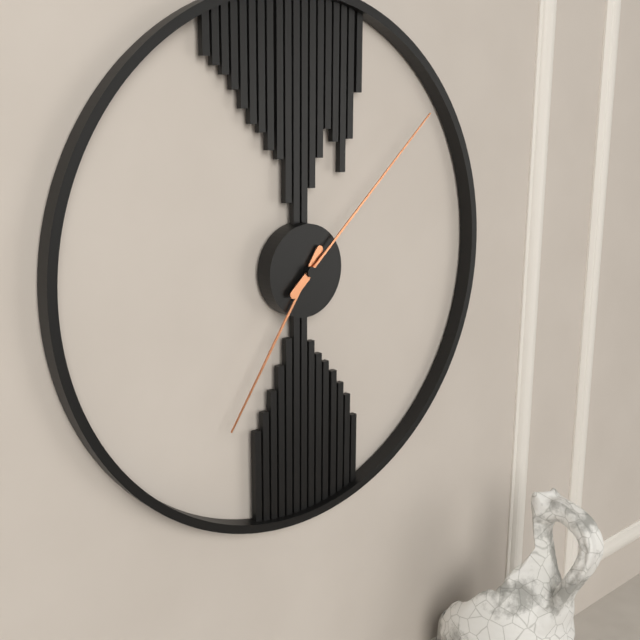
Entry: h=7 m=8
